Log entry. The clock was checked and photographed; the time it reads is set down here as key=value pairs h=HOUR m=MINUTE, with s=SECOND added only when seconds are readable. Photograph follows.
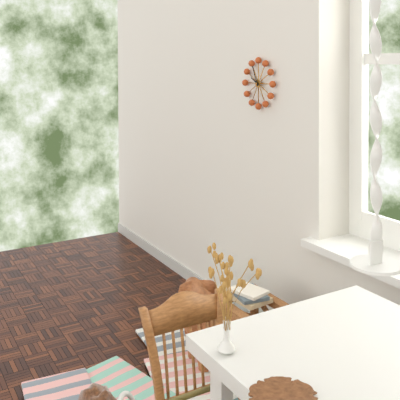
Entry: h=9 m=56
